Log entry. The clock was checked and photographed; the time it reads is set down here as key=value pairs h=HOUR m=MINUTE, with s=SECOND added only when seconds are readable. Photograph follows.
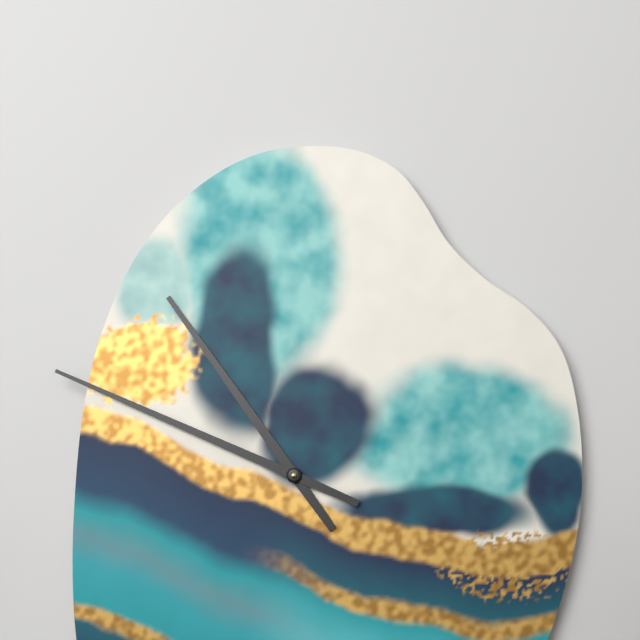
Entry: h=10 m=49
